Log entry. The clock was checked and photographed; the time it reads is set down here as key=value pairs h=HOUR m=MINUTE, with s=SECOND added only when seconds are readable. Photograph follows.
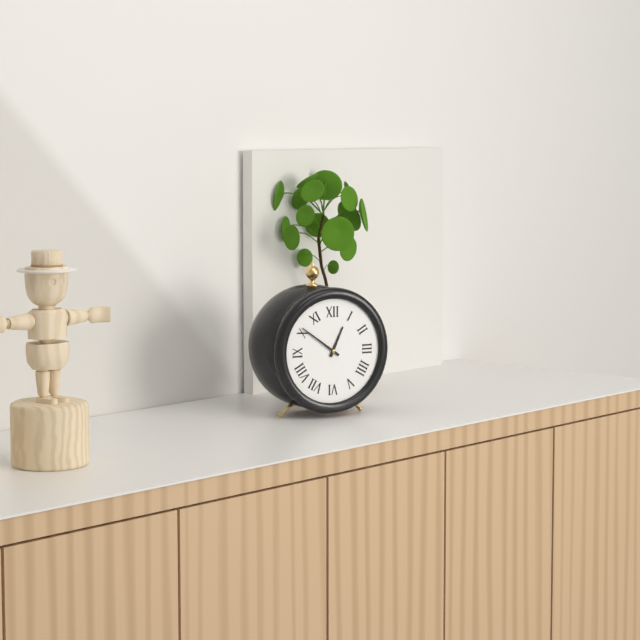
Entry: h=12 m=51
